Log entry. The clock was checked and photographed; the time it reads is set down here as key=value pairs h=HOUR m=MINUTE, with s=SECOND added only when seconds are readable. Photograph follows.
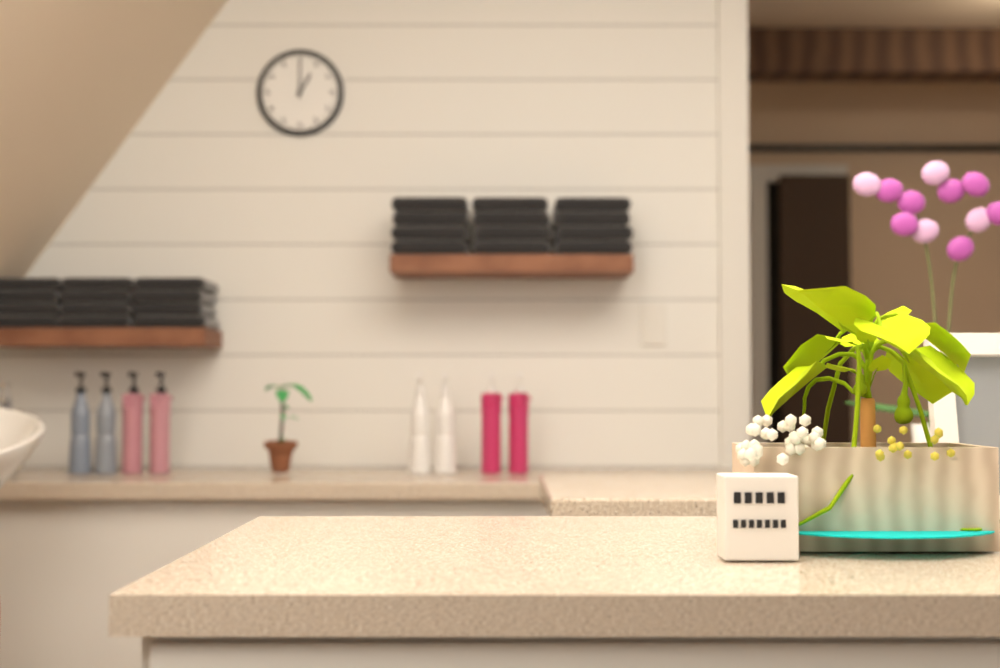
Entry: h=1 m=0
